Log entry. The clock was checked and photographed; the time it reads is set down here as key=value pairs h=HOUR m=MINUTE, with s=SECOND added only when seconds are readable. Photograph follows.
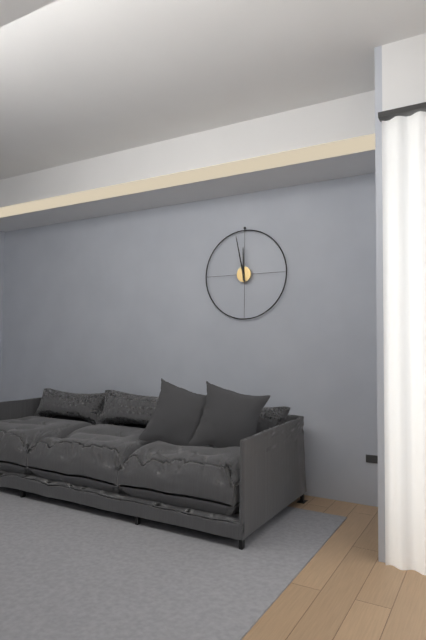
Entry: h=11 m=58
